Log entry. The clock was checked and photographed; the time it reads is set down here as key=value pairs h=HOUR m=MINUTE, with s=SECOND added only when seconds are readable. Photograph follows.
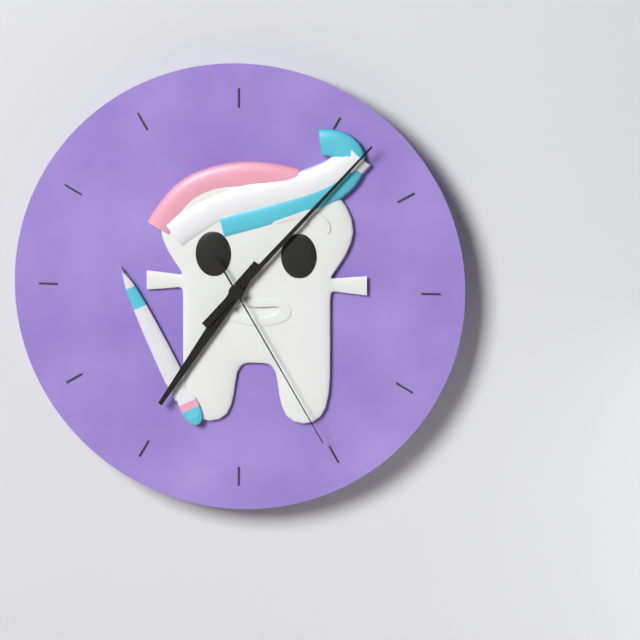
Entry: h=7 m=7 s=25
